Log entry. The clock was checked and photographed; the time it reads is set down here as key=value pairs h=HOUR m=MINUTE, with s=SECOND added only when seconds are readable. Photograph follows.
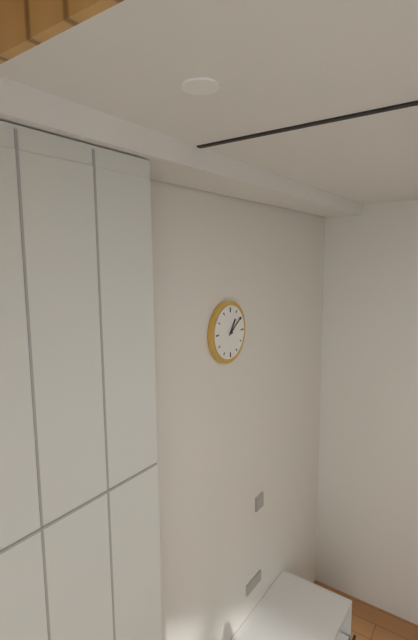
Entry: h=1 m=9
